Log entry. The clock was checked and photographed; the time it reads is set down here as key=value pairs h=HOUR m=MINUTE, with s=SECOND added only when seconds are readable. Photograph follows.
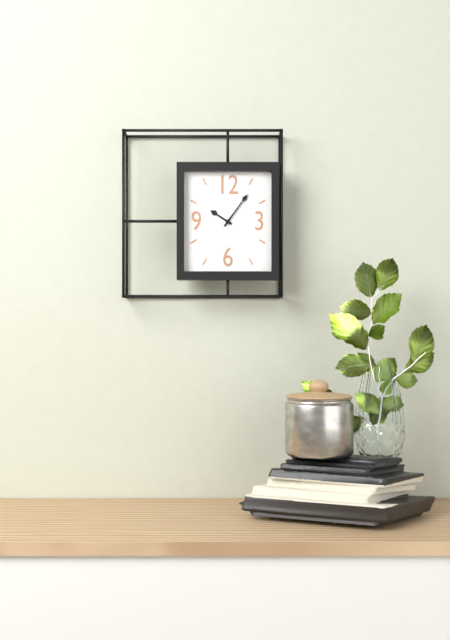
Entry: h=10 m=6
